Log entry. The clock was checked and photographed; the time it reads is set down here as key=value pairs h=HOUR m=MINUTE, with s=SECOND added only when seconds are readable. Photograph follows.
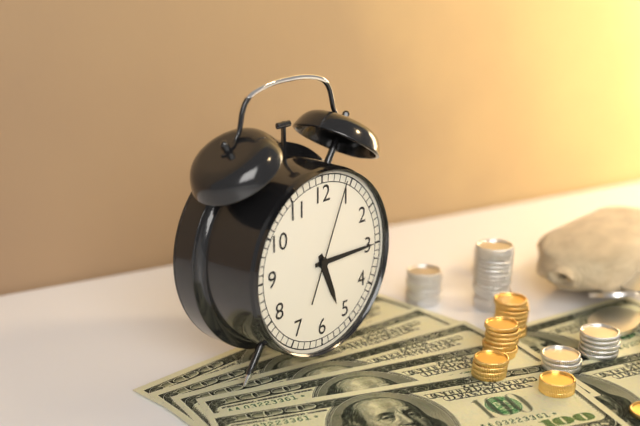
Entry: h=5 m=15 s=4
